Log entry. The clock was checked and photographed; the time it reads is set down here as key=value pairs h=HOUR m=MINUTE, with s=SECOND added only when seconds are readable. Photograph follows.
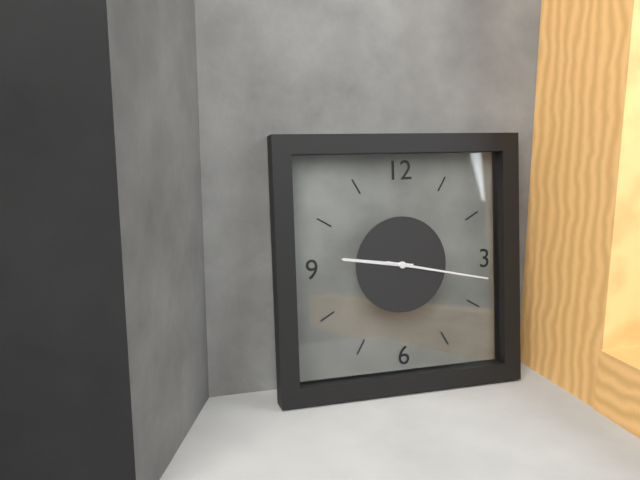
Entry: h=9 m=17
